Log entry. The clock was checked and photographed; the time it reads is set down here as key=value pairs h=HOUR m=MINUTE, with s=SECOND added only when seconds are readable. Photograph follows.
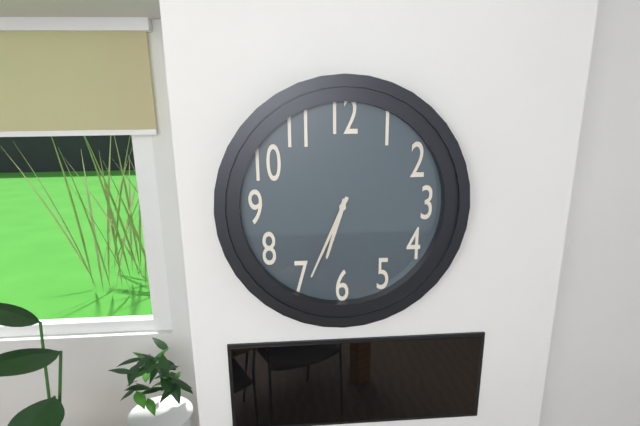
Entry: h=6 m=34
